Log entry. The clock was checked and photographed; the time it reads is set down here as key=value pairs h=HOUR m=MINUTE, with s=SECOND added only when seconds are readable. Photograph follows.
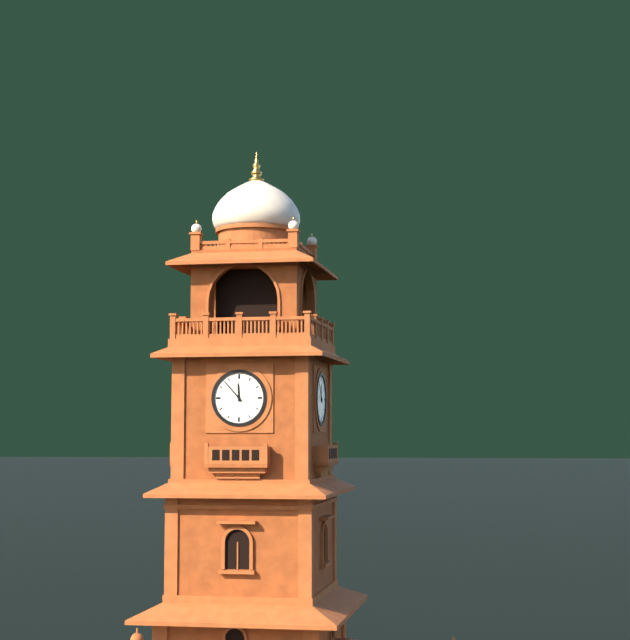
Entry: h=11 m=53
